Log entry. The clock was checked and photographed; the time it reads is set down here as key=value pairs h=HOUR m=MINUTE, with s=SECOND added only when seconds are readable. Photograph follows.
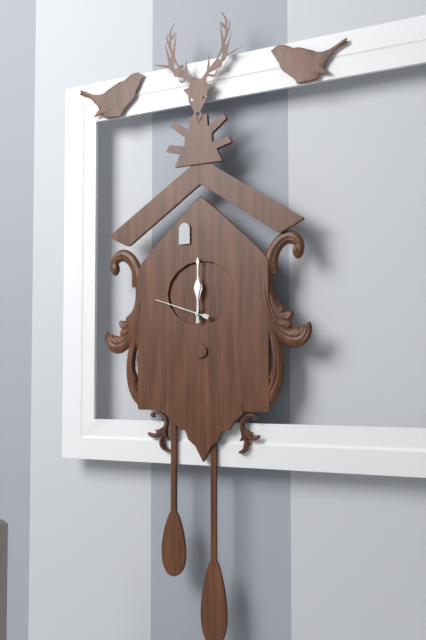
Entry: h=12 m=0 s=48
